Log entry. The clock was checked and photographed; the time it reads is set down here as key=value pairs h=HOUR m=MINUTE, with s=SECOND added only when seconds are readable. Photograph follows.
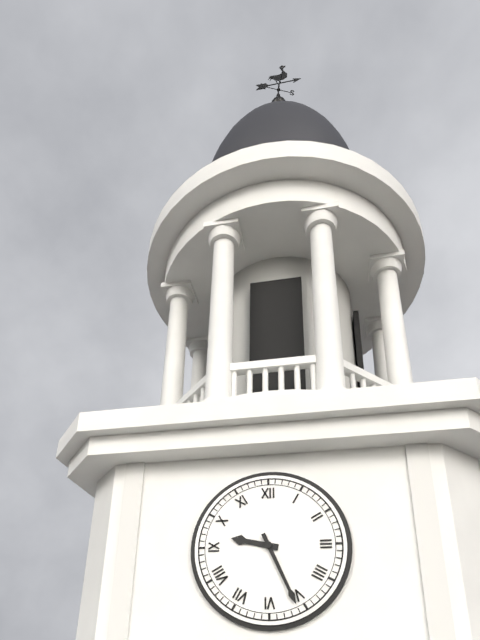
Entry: h=9 m=26
